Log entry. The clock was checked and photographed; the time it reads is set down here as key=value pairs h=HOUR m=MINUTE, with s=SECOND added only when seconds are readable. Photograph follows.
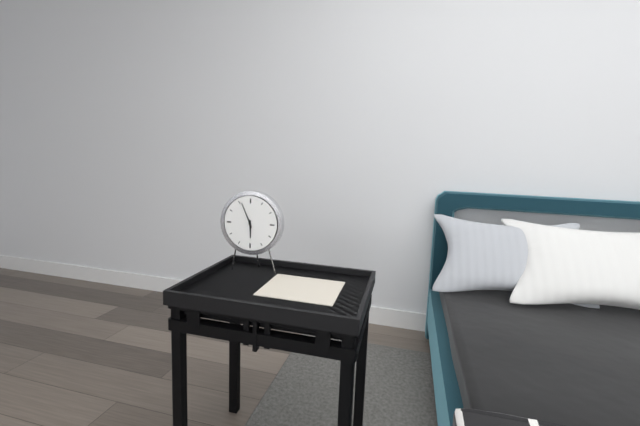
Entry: h=5 m=56
